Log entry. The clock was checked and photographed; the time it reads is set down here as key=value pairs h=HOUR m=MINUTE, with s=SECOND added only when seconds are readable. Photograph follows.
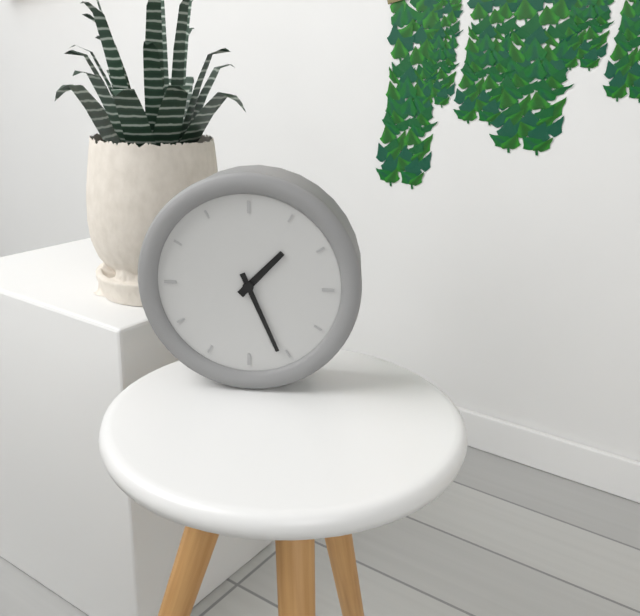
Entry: h=1 m=26
